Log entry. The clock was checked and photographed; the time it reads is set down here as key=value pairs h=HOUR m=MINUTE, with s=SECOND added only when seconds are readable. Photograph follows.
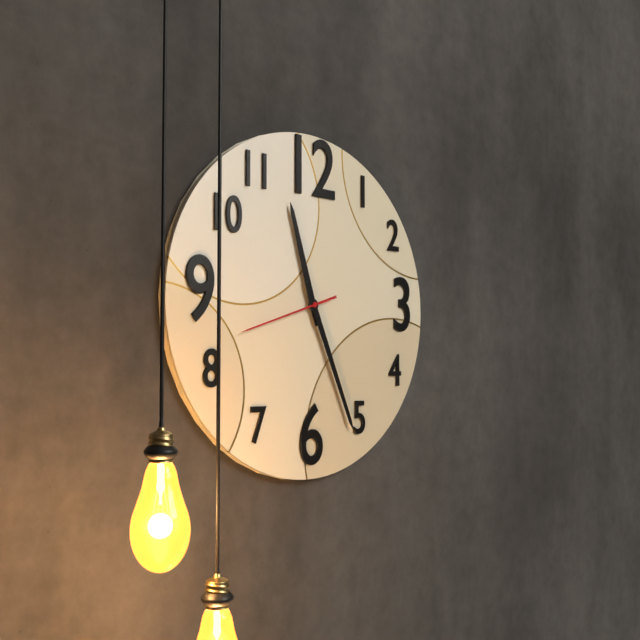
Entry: h=11 m=26 s=42
